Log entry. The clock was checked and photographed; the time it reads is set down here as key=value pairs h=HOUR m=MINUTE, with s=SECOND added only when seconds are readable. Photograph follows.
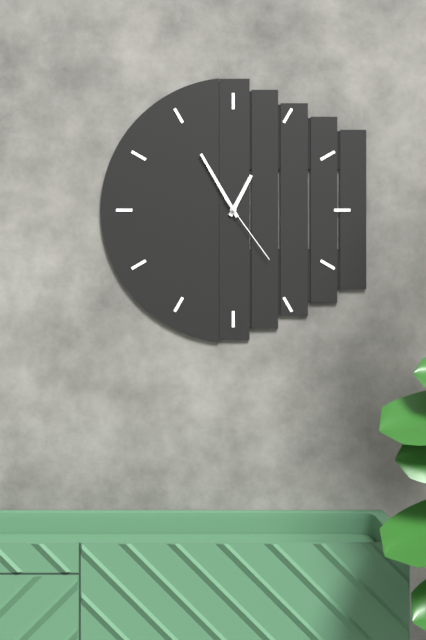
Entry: h=12 m=55 s=24
